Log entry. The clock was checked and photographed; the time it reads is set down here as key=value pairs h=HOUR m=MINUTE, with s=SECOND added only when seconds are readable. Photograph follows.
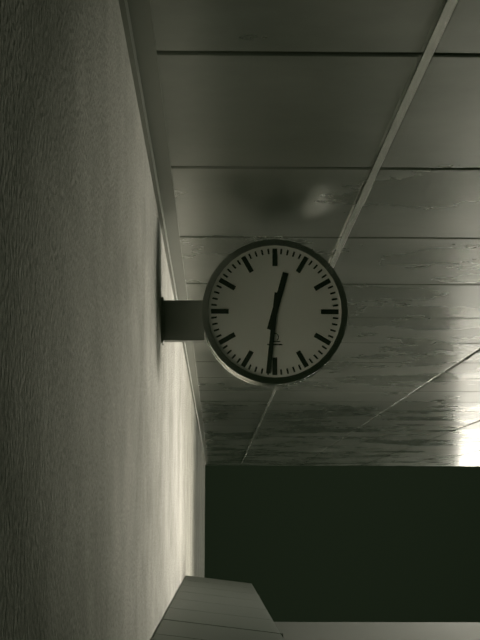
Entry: h=12 m=31
